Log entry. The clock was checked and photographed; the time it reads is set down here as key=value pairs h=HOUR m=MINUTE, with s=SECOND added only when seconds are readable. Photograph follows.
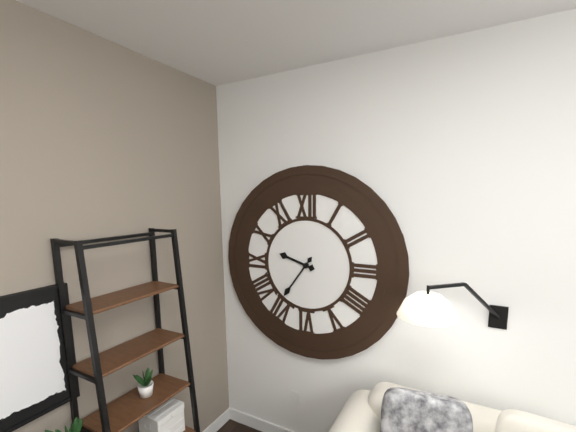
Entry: h=9 m=36
